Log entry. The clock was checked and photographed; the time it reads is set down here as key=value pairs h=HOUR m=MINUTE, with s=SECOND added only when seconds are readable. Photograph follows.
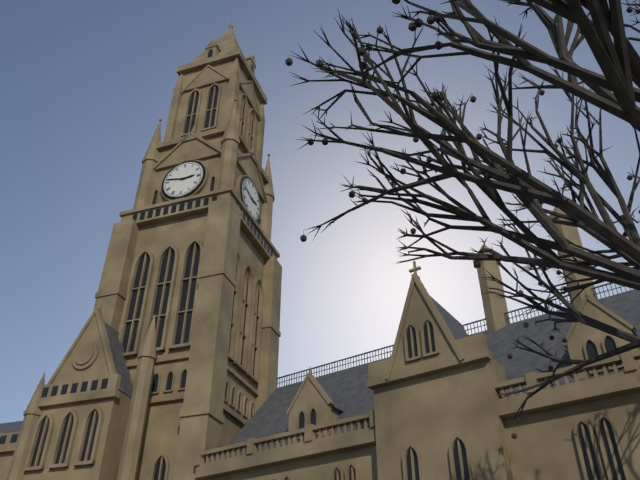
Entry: h=2 m=47
